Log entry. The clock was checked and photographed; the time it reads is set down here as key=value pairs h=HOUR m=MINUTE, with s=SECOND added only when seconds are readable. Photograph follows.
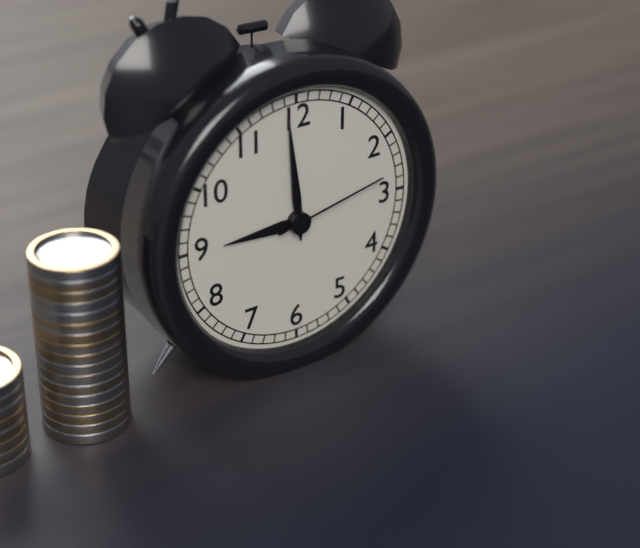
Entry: h=8 m=59 s=13
